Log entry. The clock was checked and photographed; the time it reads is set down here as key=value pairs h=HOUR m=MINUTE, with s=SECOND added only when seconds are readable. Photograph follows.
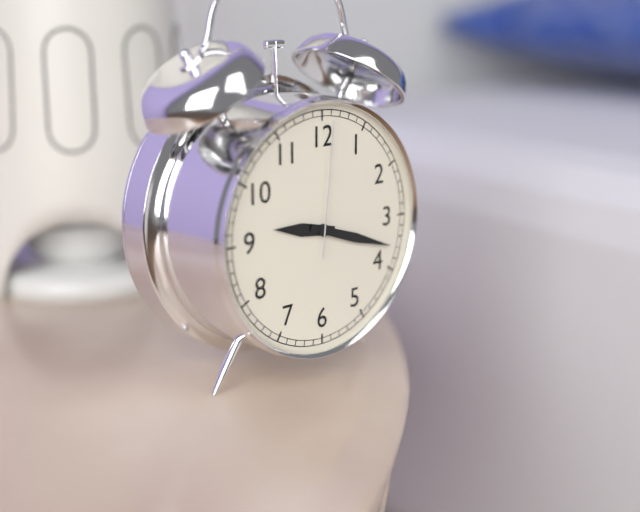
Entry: h=9 m=18 s=1
